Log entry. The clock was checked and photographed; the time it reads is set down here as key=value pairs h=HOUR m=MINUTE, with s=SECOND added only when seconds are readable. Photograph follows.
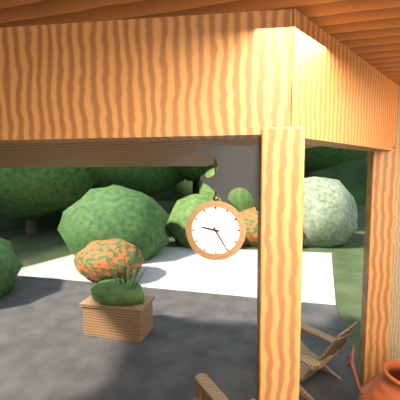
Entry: h=9 m=25
